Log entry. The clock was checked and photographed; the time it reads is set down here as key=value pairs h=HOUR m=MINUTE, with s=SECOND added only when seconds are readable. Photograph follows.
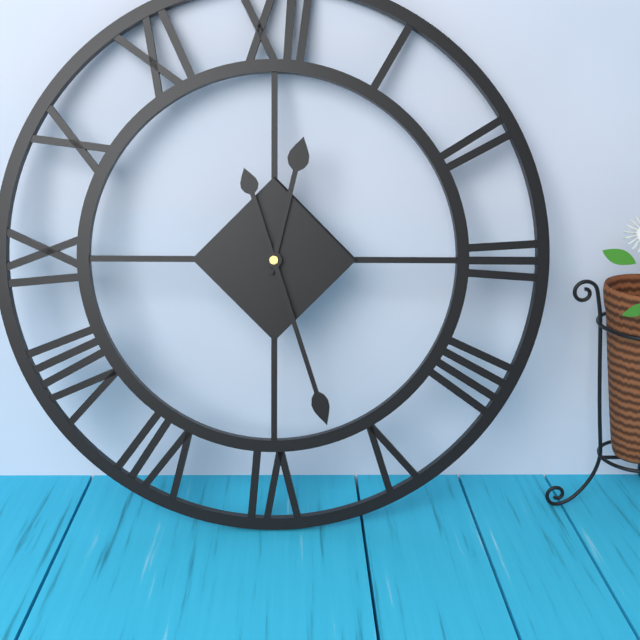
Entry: h=12 m=27
